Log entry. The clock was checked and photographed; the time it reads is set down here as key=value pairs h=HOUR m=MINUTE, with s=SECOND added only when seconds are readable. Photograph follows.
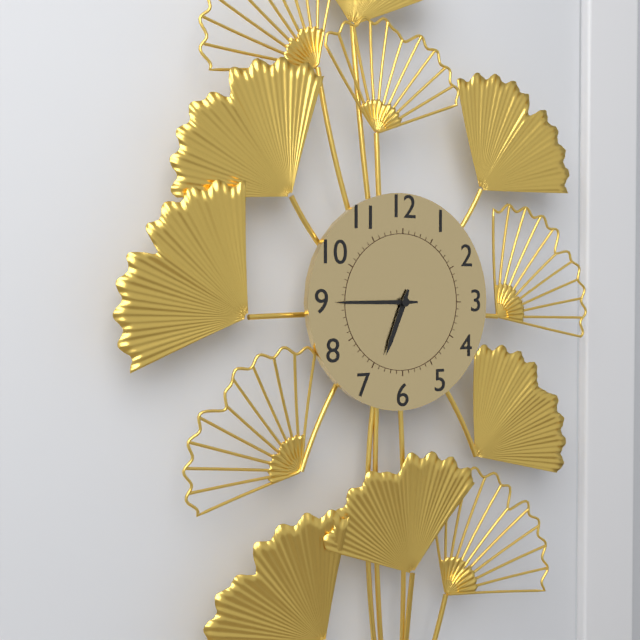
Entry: h=6 m=45
